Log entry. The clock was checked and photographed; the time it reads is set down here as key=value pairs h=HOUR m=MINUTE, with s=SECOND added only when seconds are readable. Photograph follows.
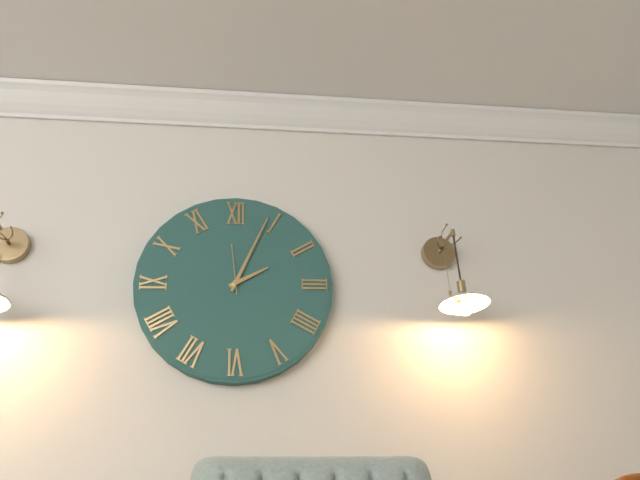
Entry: h=2 m=4 s=59
